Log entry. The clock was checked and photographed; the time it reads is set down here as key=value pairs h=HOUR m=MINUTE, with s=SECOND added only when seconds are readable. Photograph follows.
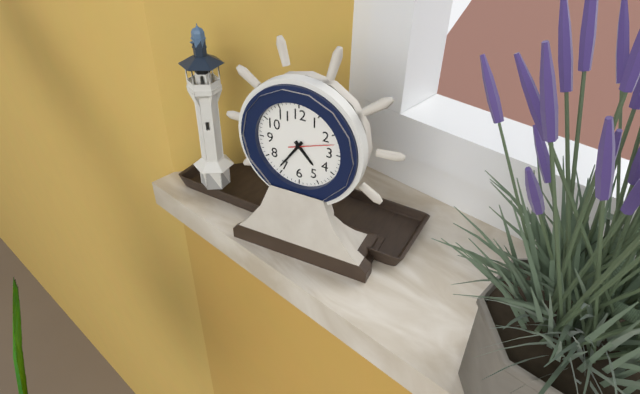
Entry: h=4 m=36
